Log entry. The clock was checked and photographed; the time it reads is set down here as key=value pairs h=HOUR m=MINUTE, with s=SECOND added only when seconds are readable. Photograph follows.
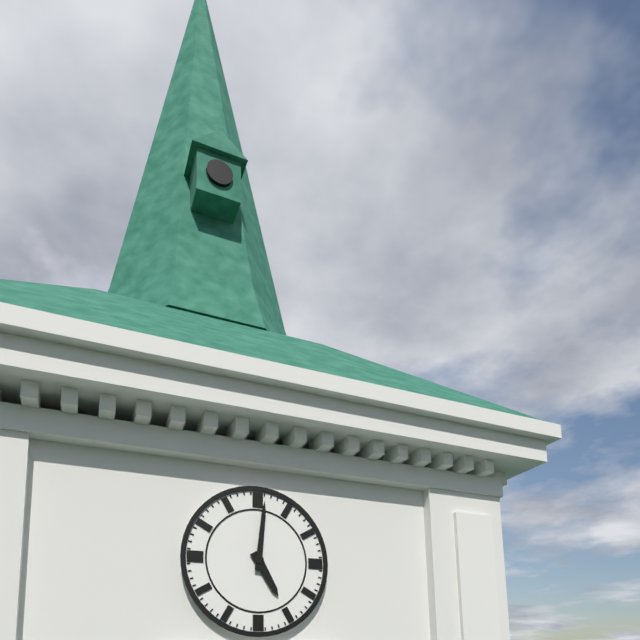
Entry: h=5 m=1
